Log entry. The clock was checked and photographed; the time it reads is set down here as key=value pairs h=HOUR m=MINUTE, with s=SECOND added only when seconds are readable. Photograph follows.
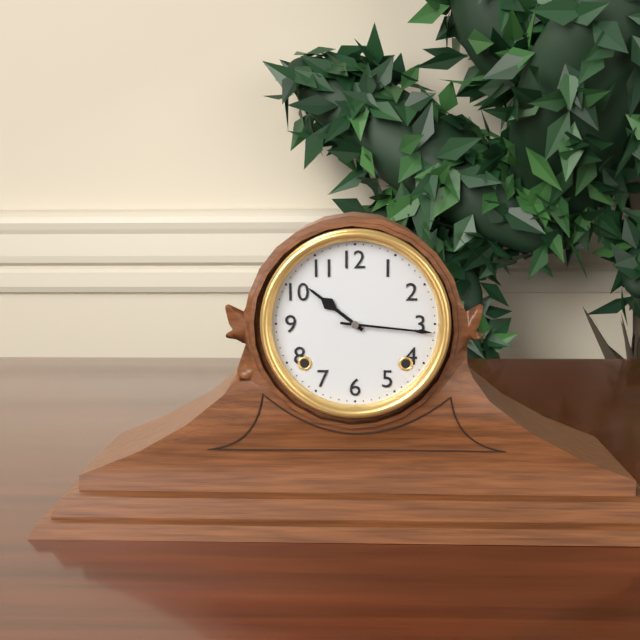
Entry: h=10 m=16
